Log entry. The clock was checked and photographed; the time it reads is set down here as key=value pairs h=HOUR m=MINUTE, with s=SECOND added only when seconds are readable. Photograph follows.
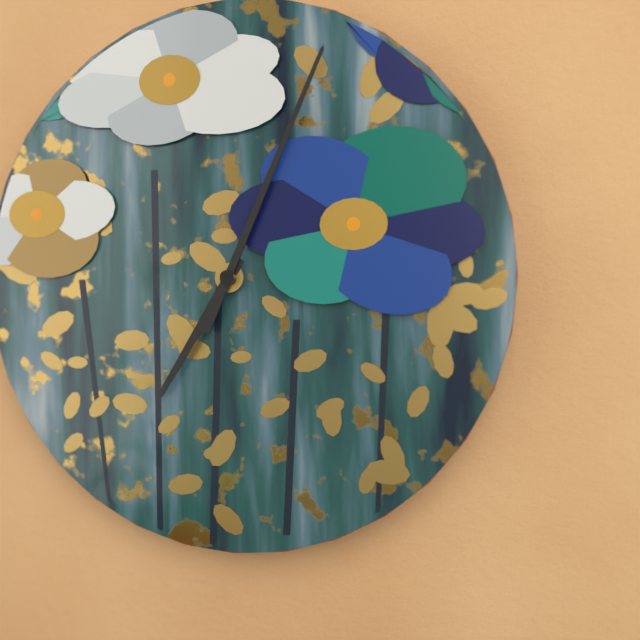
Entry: h=7 m=4
